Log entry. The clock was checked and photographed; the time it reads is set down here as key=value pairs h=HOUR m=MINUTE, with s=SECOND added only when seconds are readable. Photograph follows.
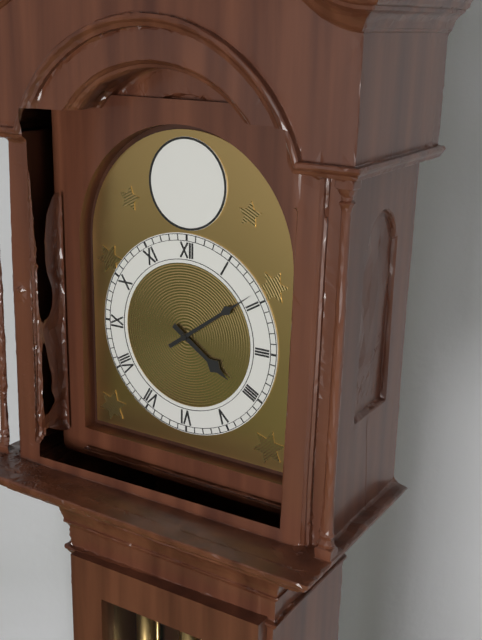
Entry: h=4 m=9
